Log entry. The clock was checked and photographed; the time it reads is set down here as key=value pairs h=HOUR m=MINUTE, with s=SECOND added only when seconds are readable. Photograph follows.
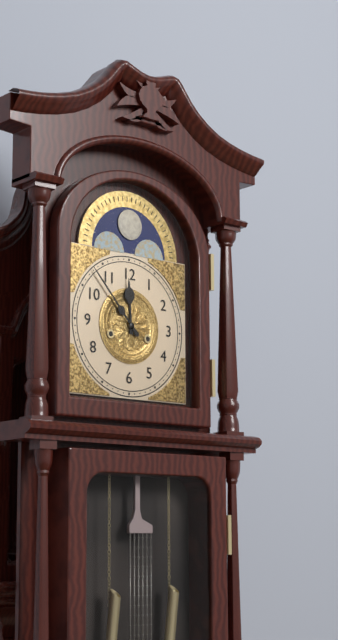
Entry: h=11 m=53
